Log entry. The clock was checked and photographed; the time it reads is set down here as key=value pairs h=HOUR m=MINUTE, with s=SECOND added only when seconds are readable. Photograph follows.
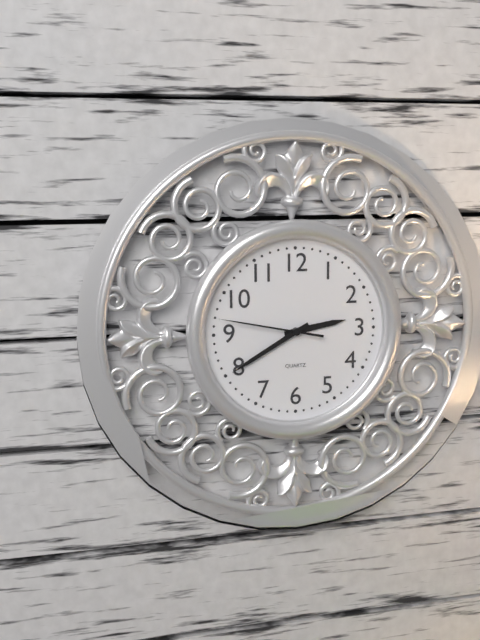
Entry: h=2 m=40 s=47
